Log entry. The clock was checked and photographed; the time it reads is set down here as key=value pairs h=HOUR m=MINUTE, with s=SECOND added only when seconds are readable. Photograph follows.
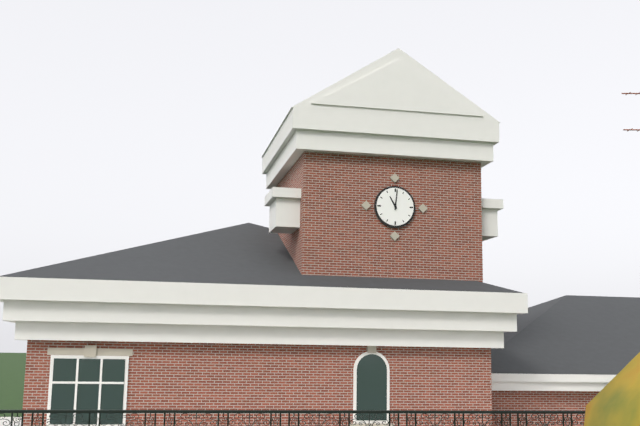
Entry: h=11 m=1
